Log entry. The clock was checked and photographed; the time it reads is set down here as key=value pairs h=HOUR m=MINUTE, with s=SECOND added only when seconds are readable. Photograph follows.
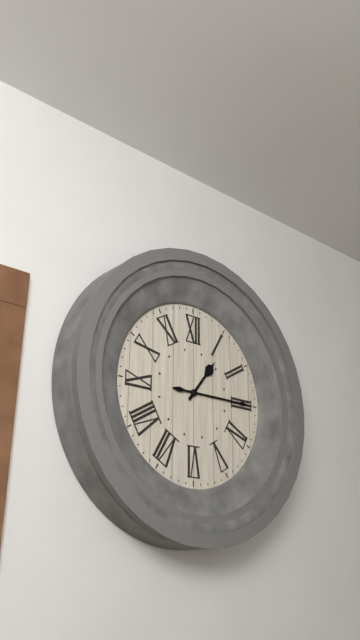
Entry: h=1 m=15
